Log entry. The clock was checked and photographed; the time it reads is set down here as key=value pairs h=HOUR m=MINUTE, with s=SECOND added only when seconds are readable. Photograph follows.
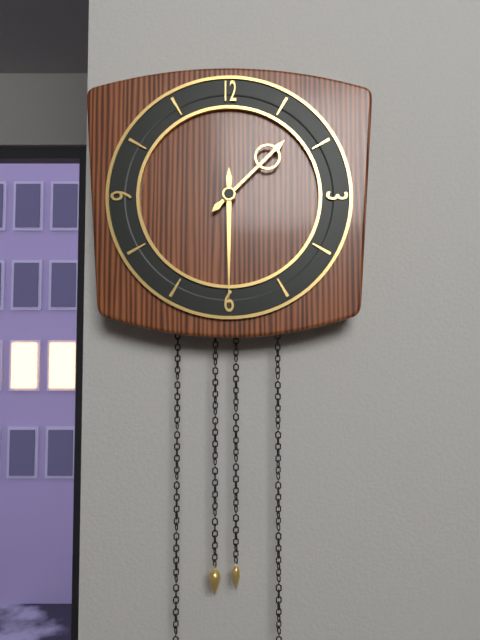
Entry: h=1 m=30
